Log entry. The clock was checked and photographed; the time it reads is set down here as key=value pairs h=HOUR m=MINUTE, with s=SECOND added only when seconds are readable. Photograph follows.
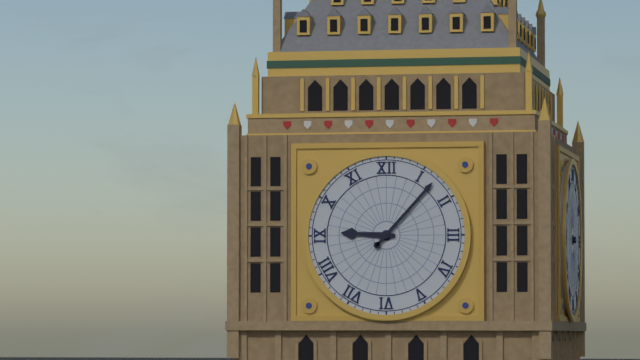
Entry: h=9 m=7
